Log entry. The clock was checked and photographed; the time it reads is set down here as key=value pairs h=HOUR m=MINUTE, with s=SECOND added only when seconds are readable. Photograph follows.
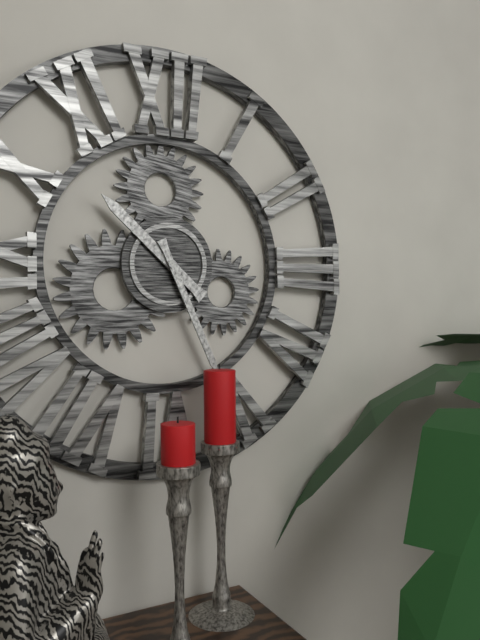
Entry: h=10 m=26
